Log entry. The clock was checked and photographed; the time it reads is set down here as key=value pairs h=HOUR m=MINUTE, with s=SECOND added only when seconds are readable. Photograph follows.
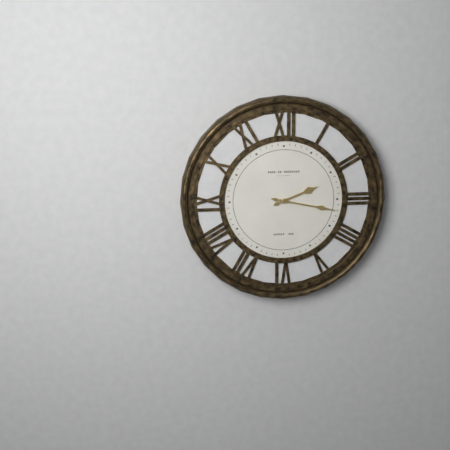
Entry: h=2 m=17
